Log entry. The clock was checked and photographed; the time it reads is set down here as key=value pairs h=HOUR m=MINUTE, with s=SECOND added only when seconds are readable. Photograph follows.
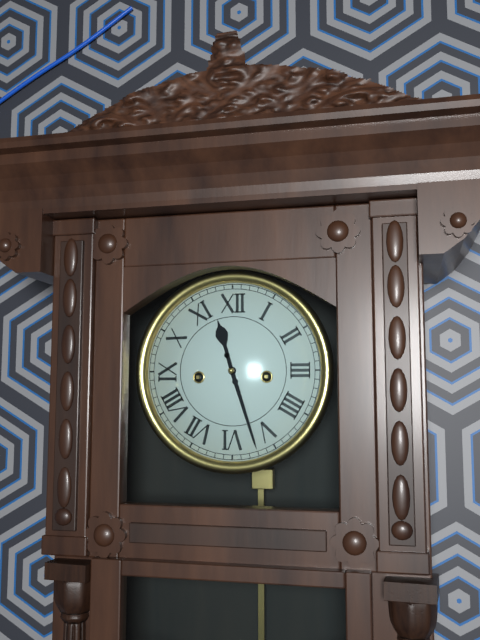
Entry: h=11 m=27
